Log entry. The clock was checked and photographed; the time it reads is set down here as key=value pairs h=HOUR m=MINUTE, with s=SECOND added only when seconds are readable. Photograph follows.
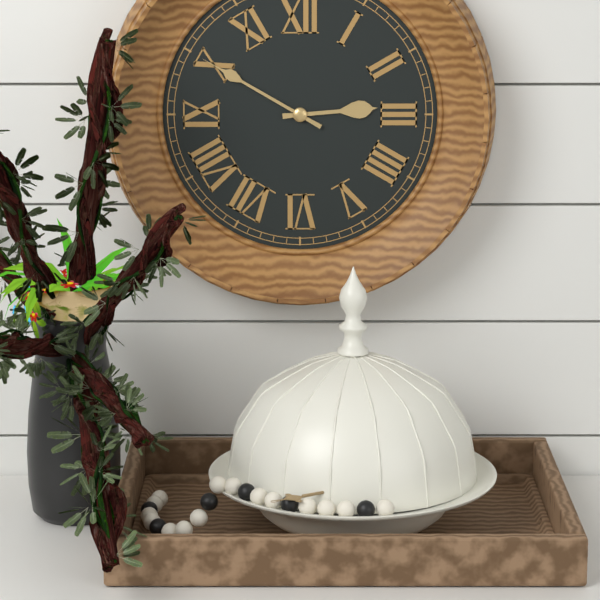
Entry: h=2 m=50
